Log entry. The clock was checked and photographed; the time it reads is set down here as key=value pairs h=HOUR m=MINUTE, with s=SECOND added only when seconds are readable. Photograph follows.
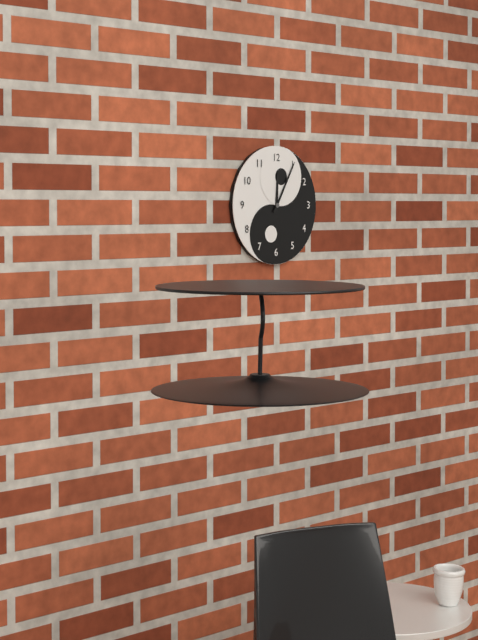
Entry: h=12 m=5
